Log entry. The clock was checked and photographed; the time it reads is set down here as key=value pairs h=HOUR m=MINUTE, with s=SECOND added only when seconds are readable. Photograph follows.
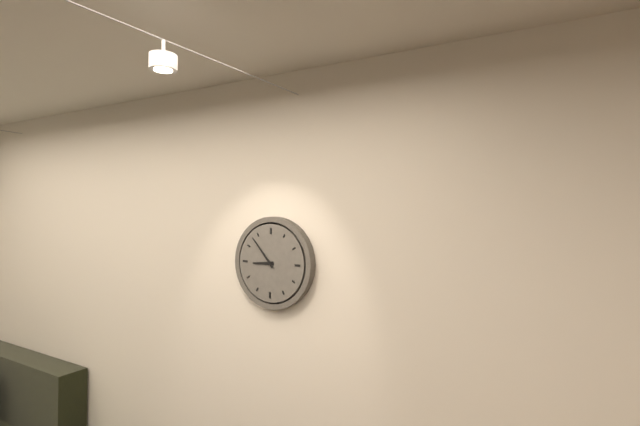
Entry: h=8 m=53
